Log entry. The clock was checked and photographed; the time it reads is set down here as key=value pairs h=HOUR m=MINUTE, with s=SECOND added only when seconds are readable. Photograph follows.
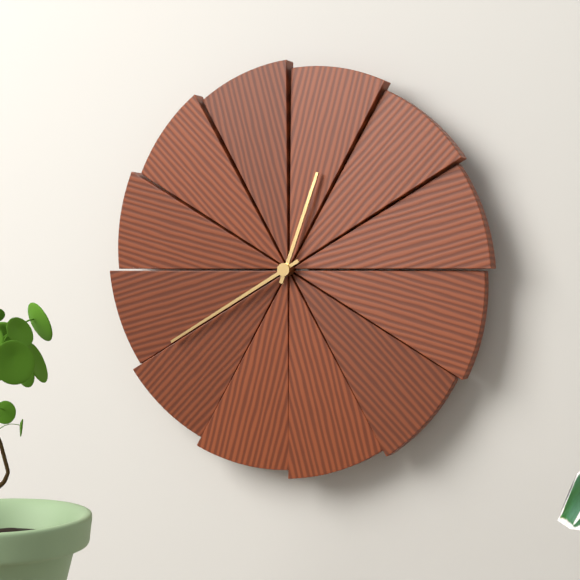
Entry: h=12 m=40
